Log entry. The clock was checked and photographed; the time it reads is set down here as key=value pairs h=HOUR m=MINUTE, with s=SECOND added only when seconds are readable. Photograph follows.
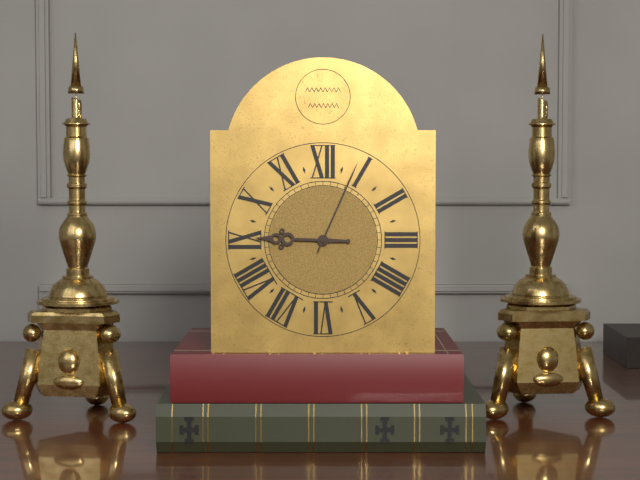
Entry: h=9 m=4
